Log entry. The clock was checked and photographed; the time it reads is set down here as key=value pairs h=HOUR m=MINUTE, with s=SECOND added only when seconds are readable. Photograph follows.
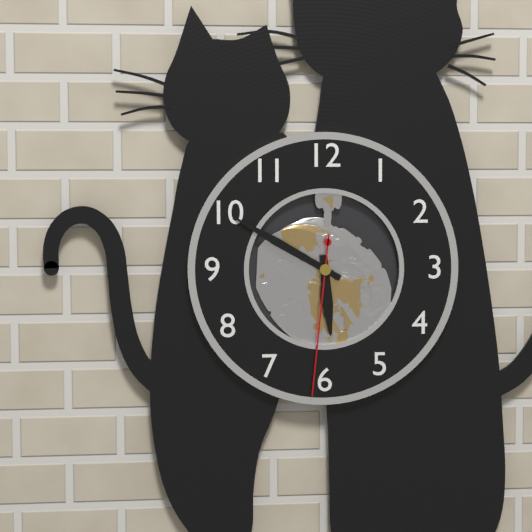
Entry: h=5 m=50 s=31
